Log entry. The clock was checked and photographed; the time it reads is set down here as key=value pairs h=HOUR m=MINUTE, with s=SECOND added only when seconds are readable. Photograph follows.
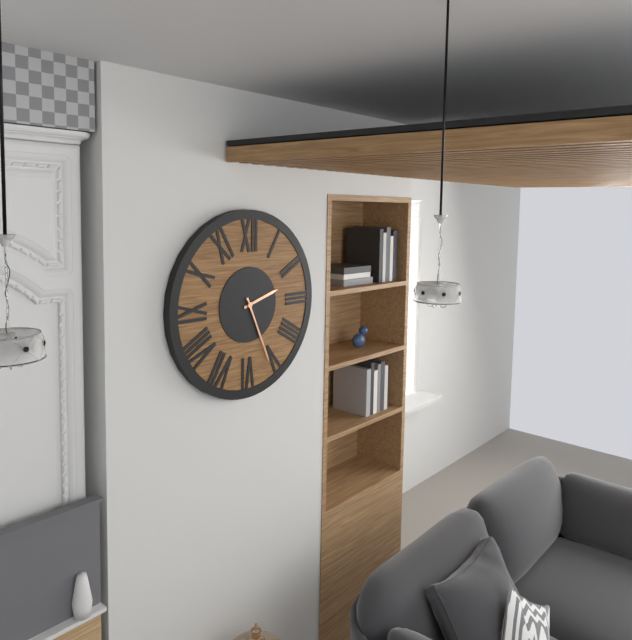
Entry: h=2 m=26
